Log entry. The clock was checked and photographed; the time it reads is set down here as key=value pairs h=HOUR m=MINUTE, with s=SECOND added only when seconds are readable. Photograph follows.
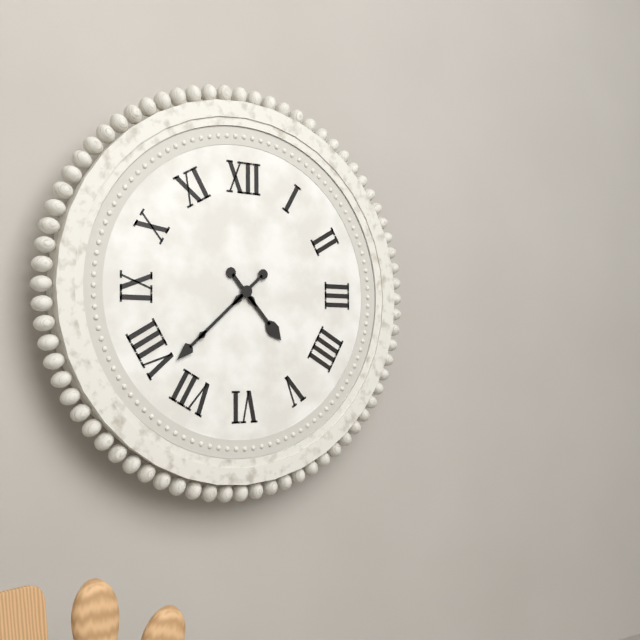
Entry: h=4 m=38
